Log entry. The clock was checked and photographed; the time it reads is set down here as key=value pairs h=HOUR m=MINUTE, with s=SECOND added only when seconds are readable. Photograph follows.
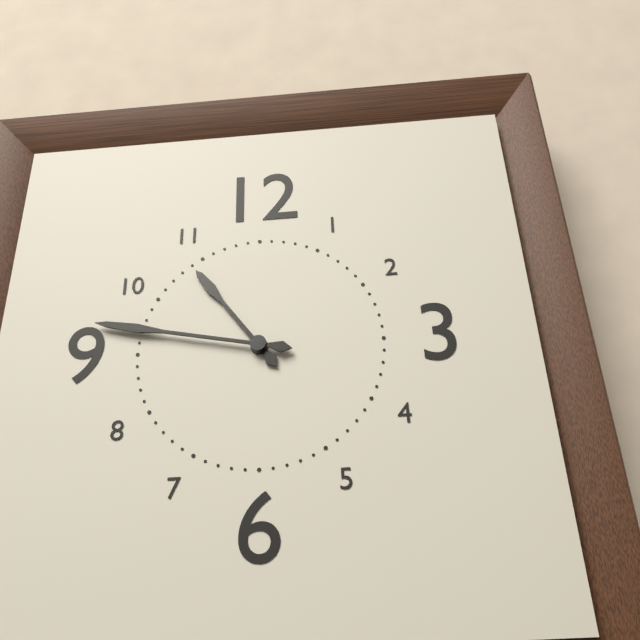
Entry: h=10 m=47
